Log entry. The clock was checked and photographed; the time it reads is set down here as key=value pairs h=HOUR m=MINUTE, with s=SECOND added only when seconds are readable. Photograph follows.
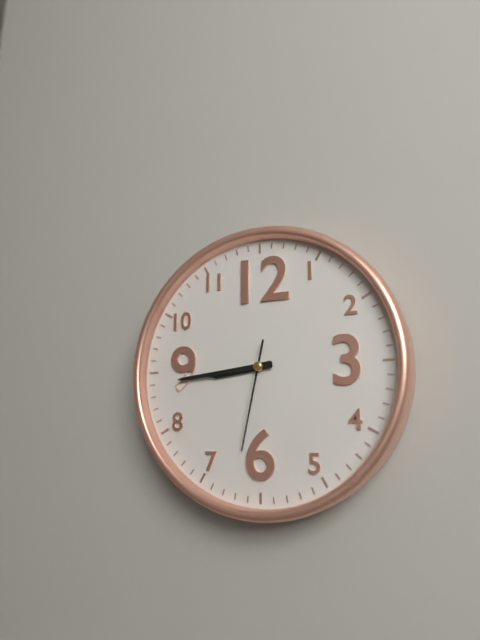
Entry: h=8 m=44 s=32
